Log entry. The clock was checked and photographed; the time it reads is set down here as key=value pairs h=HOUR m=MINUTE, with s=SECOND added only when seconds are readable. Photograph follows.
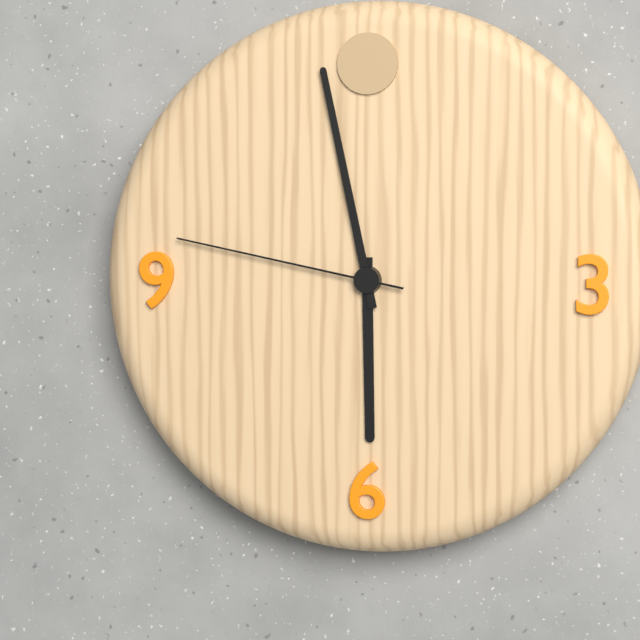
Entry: h=5 m=58 s=47
